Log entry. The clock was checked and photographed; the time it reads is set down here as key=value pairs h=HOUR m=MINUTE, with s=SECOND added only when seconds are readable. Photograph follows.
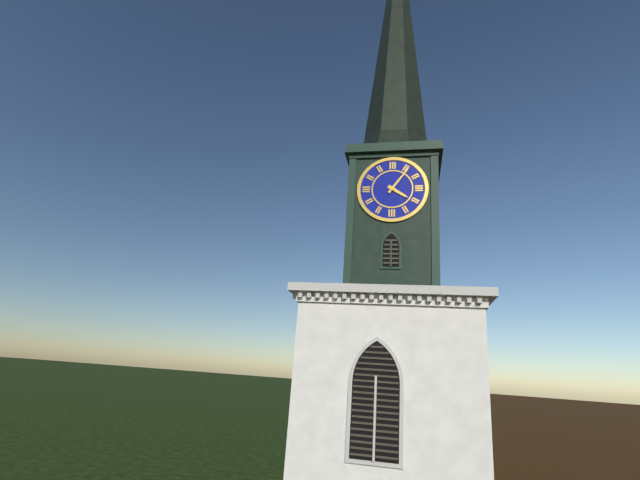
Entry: h=4 m=6
